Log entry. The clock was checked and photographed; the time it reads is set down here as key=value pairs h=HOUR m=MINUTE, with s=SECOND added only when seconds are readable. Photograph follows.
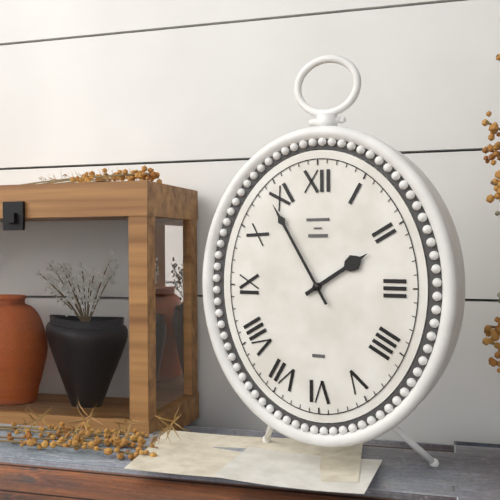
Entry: h=1 m=55
